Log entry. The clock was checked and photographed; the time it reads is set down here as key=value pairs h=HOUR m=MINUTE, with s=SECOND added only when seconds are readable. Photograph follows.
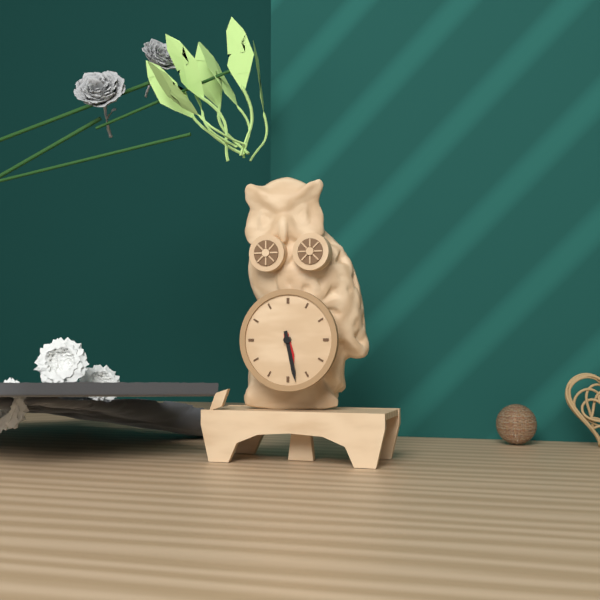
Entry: h=5 m=28
